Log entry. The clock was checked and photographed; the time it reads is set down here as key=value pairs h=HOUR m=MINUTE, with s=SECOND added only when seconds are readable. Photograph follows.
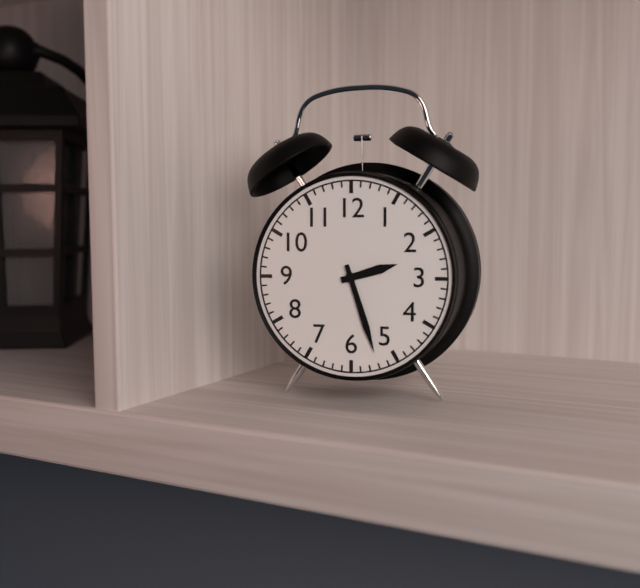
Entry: h=2 m=27
